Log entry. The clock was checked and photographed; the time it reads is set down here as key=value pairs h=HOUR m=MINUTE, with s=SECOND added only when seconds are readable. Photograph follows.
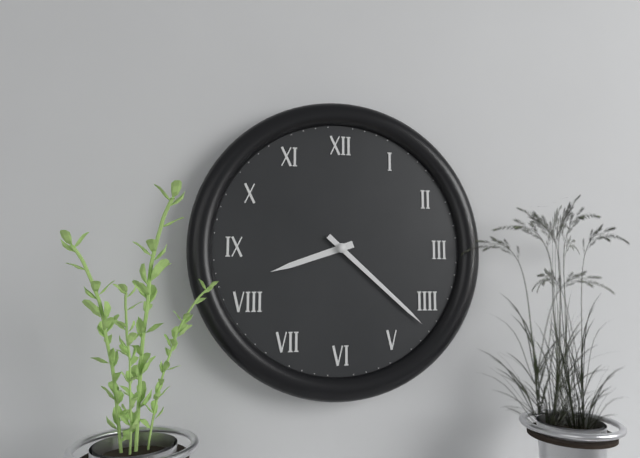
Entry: h=8 m=22
